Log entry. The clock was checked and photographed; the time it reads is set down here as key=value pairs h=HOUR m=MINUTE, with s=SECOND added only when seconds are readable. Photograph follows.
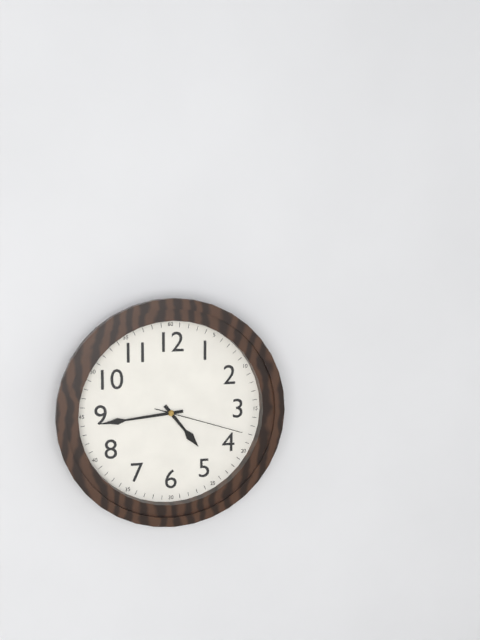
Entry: h=4 m=44 s=18
